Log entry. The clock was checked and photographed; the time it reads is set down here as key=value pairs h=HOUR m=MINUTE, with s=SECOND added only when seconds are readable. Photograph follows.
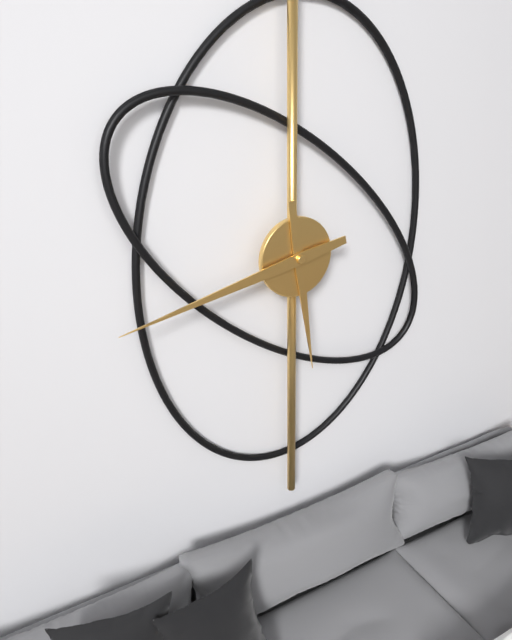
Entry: h=5 m=43
